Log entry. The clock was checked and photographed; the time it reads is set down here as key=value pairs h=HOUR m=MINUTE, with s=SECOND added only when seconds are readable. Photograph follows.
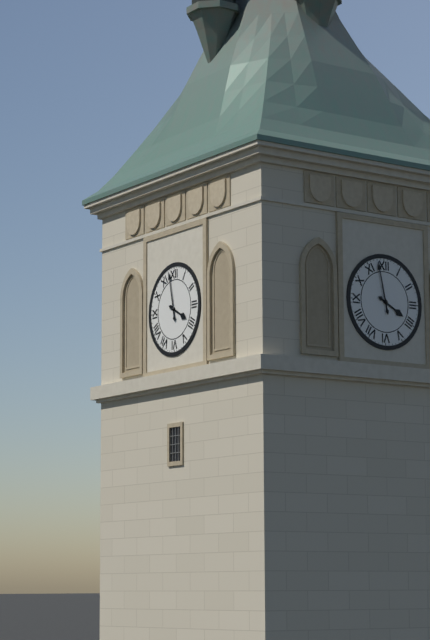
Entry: h=3 m=58
